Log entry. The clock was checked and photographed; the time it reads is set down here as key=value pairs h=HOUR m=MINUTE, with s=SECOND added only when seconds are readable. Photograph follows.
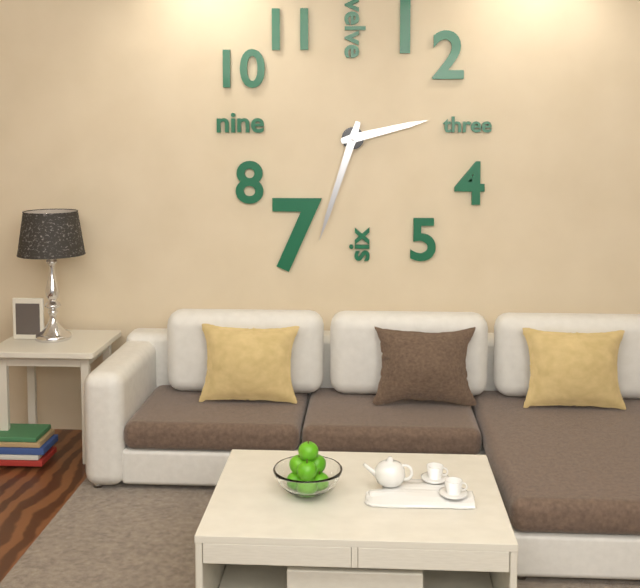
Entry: h=2 m=33
